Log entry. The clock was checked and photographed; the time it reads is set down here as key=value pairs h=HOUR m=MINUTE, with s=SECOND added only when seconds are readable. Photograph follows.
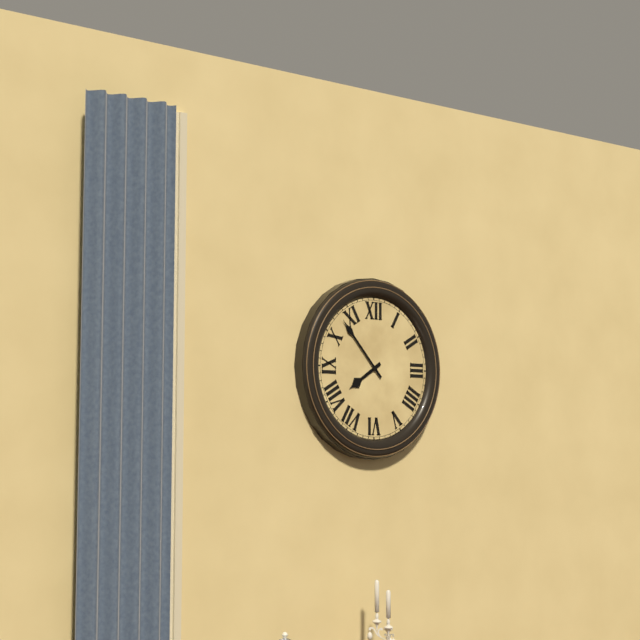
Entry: h=7 m=53
